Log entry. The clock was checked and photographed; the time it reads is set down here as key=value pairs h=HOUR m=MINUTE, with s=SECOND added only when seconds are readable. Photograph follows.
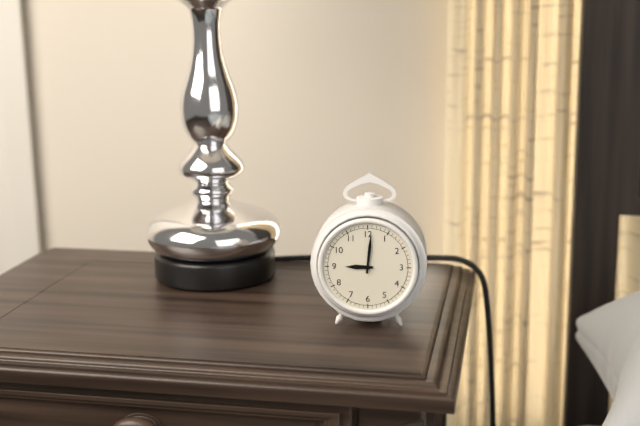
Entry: h=9 m=1
